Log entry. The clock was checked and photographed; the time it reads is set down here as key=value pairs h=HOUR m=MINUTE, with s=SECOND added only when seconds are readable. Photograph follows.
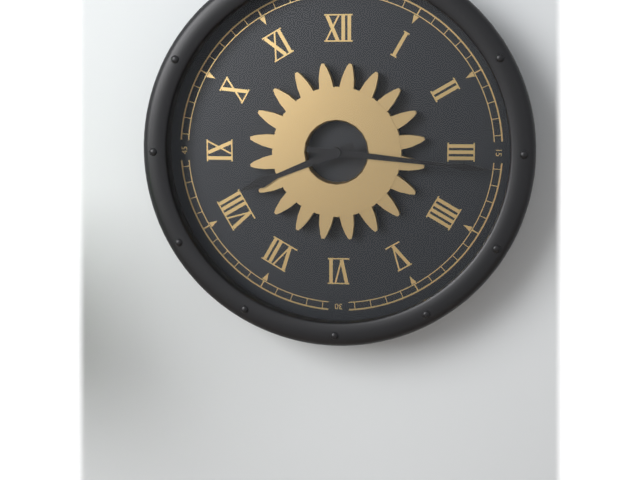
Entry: h=8 m=16
